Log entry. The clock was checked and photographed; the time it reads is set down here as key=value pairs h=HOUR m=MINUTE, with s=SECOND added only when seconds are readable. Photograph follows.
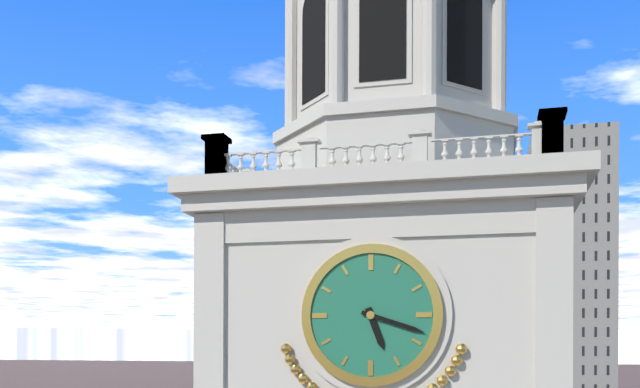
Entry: h=5 m=18
